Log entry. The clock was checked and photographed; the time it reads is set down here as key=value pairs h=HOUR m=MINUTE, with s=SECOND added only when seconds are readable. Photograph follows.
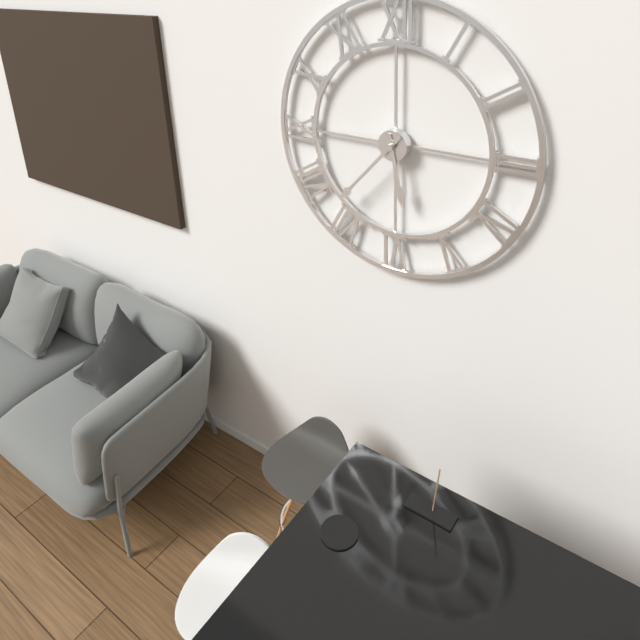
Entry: h=5 m=37
